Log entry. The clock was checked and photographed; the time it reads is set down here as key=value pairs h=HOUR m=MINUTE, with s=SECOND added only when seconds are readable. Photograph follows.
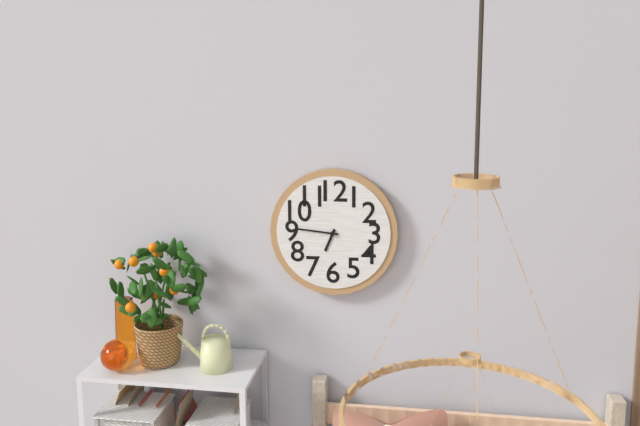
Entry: h=6 m=46
